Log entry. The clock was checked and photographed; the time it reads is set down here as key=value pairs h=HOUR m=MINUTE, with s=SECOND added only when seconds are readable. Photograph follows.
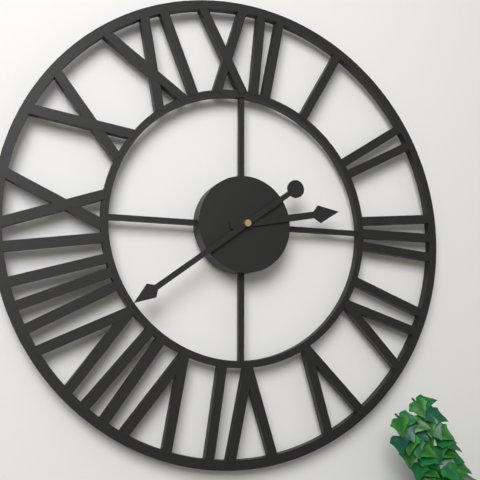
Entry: h=2 m=39
